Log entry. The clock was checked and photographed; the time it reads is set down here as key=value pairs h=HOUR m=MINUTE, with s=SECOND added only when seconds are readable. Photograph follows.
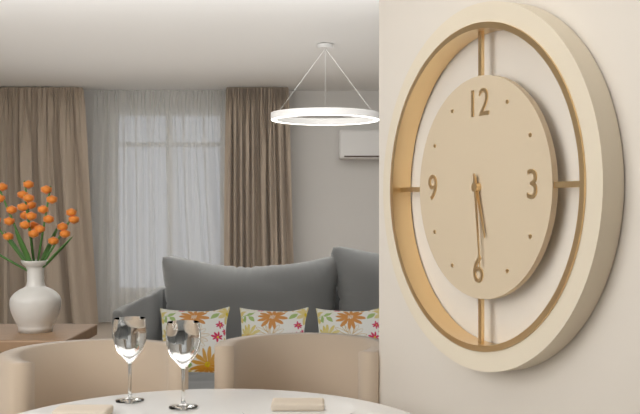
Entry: h=5 m=29
